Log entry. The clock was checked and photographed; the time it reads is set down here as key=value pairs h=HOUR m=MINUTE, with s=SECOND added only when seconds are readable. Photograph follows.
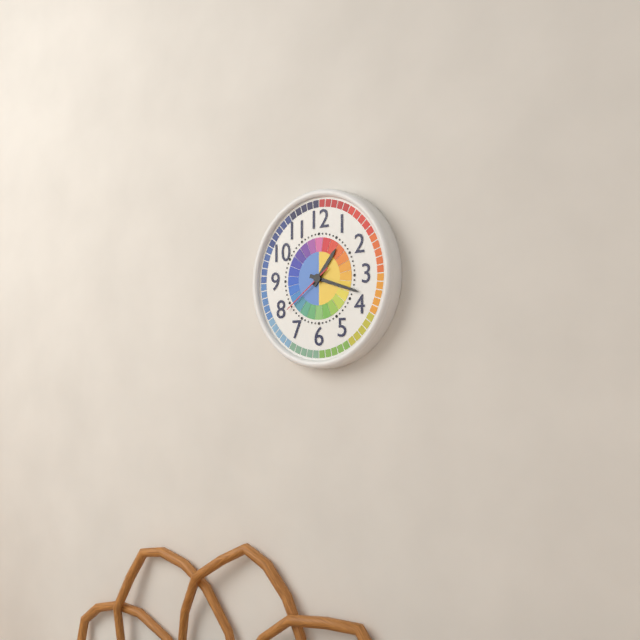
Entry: h=1 m=18 s=39
